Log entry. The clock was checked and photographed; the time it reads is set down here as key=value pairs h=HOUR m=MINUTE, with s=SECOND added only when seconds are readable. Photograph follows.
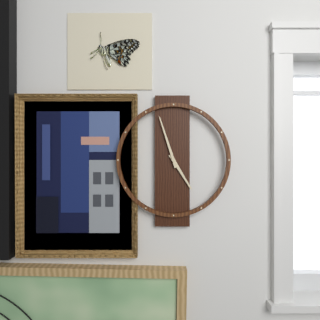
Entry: h=4 m=57
